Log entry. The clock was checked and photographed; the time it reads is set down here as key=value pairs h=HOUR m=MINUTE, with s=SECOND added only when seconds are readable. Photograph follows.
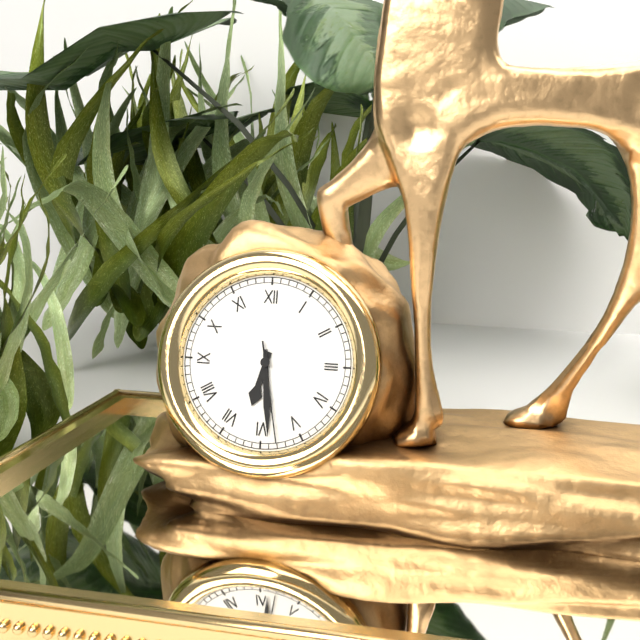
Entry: h=6 m=29 s=28
